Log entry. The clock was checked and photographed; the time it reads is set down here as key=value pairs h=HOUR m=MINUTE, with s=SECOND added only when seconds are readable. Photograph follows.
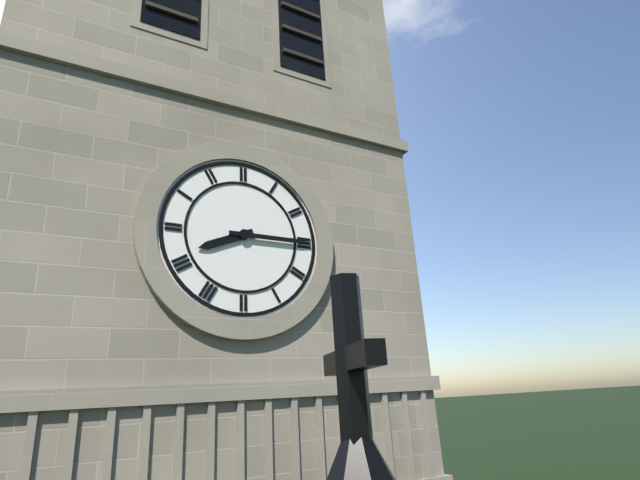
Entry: h=8 m=15
